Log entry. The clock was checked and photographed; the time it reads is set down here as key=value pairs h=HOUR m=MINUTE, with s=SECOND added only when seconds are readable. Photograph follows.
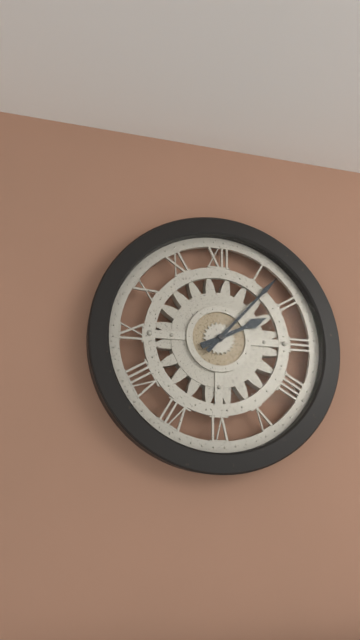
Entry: h=2 m=7
